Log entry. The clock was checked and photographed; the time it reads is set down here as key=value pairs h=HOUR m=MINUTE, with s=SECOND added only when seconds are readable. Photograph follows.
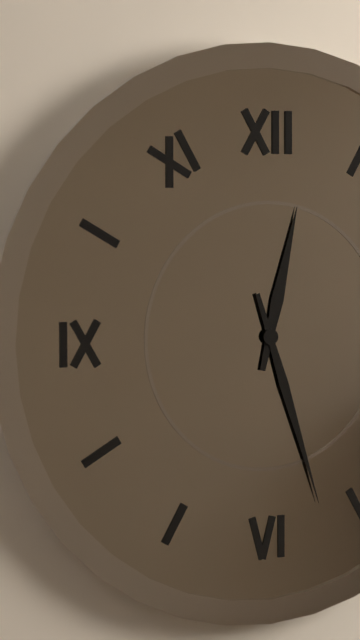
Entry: h=12 m=27
